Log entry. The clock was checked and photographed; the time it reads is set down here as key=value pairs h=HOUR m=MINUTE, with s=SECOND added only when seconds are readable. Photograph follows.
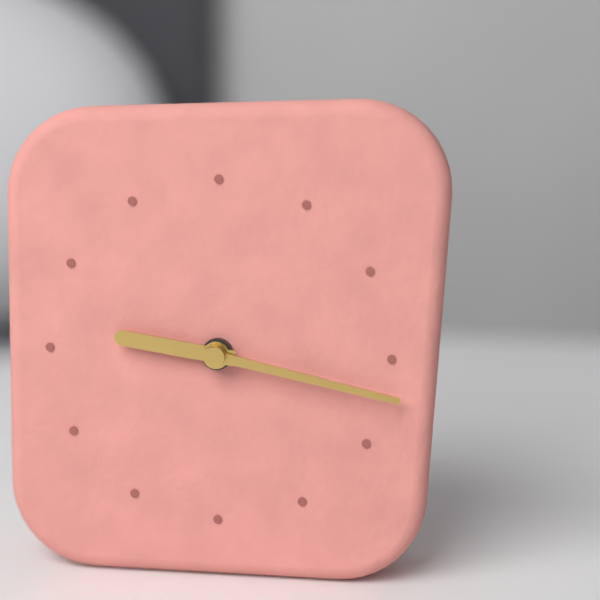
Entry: h=9 m=17
